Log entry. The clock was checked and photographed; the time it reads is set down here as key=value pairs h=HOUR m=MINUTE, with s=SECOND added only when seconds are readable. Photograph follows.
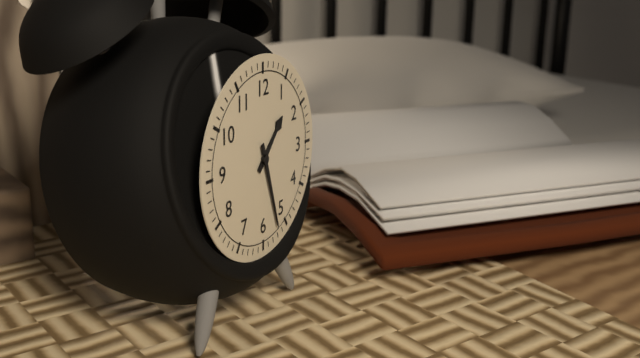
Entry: h=1 m=27
